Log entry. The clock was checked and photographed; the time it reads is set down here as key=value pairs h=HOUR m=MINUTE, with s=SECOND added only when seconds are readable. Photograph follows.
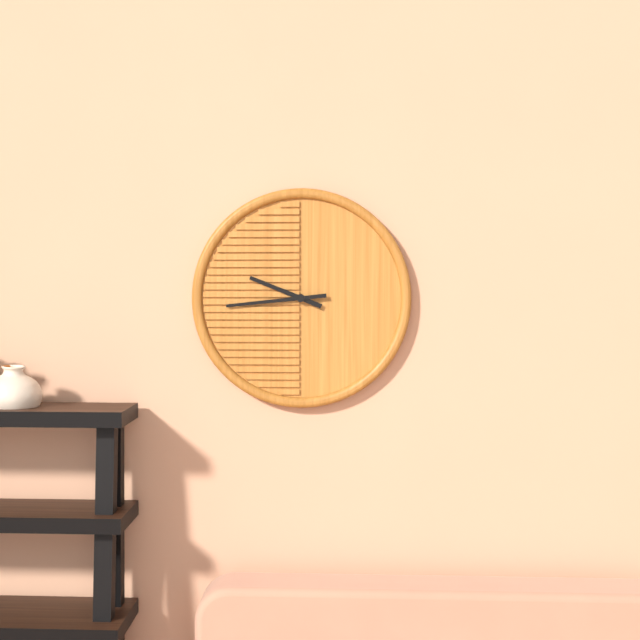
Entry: h=9 m=44
